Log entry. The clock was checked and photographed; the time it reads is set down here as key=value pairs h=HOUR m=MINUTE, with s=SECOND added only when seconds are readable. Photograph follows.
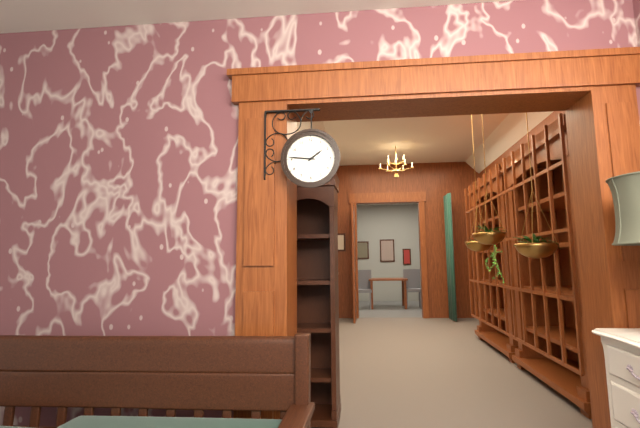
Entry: h=1 m=46
